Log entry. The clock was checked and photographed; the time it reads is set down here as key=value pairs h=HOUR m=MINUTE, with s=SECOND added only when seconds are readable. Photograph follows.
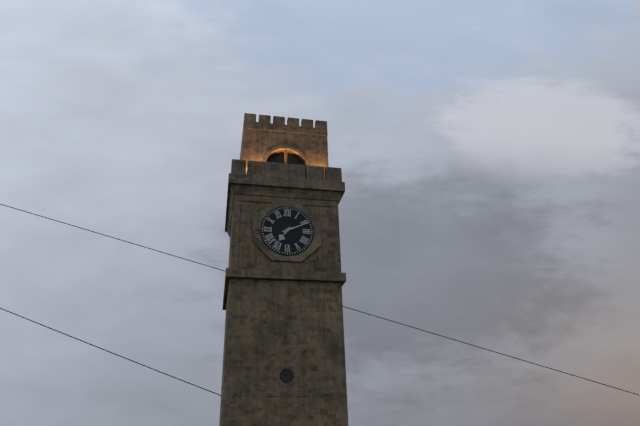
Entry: h=7 m=11
